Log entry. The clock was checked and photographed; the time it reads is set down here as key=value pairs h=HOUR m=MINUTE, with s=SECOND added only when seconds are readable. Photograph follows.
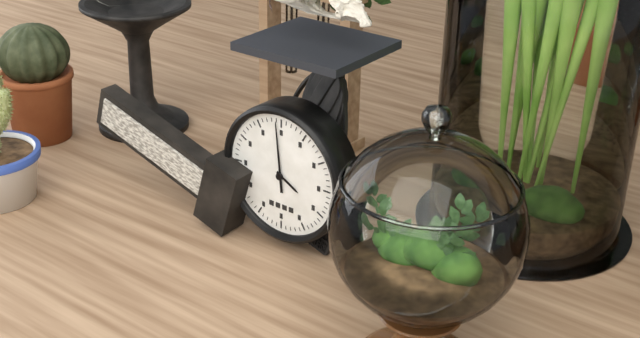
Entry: h=3 m=59
